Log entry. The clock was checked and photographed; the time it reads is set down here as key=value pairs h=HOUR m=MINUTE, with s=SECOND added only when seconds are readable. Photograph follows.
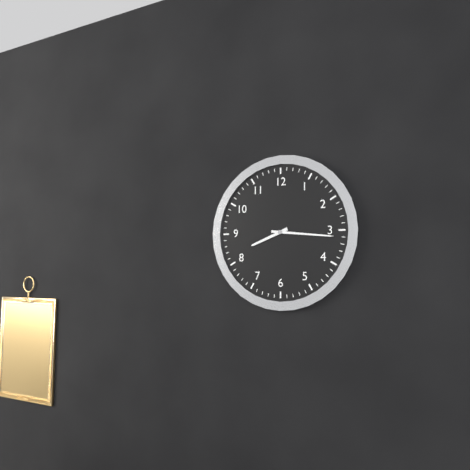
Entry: h=8 m=16
